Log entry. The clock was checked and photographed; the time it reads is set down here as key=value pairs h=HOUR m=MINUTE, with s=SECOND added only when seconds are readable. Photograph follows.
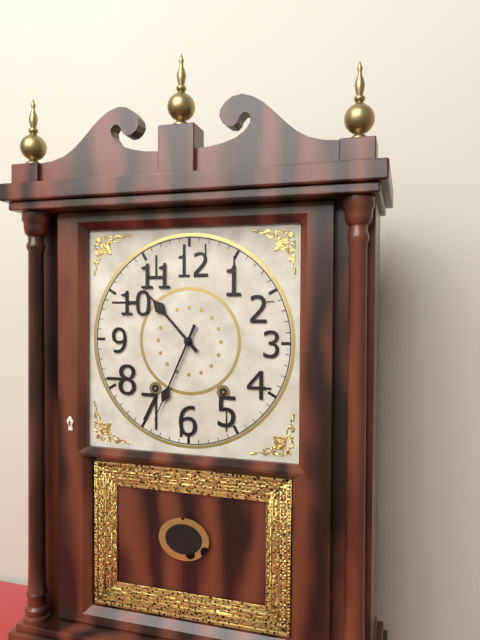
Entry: h=10 m=34
